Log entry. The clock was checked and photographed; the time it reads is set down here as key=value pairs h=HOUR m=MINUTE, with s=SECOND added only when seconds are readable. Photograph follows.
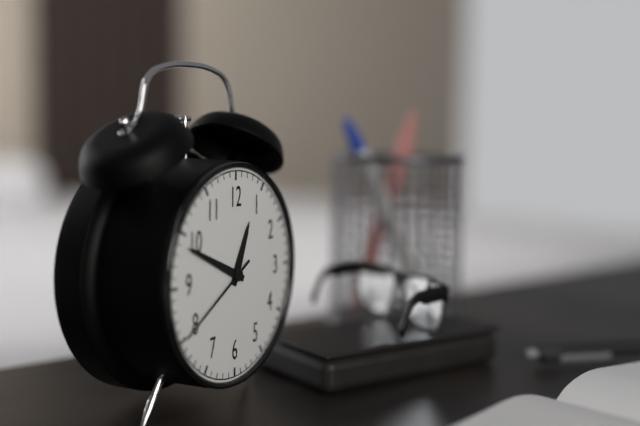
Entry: h=12 m=49 s=40
